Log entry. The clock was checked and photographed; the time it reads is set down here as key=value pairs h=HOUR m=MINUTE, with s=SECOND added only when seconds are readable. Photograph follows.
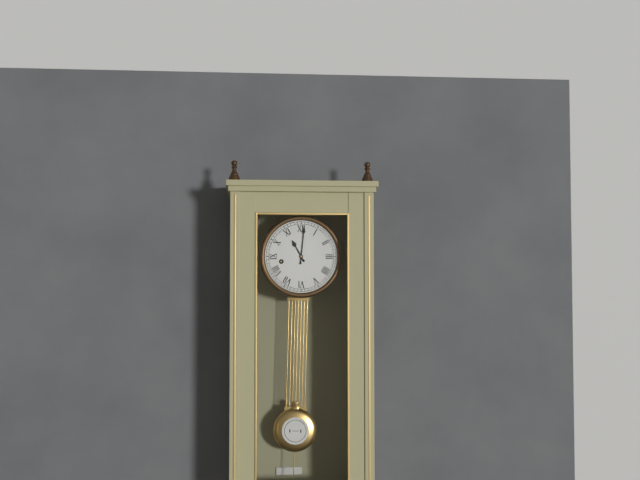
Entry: h=11 m=1
